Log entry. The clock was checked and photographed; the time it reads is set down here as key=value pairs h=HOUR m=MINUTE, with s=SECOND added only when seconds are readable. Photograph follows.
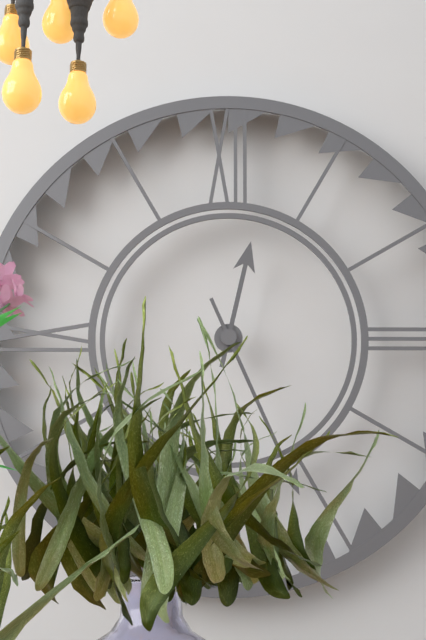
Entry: h=12 m=26
